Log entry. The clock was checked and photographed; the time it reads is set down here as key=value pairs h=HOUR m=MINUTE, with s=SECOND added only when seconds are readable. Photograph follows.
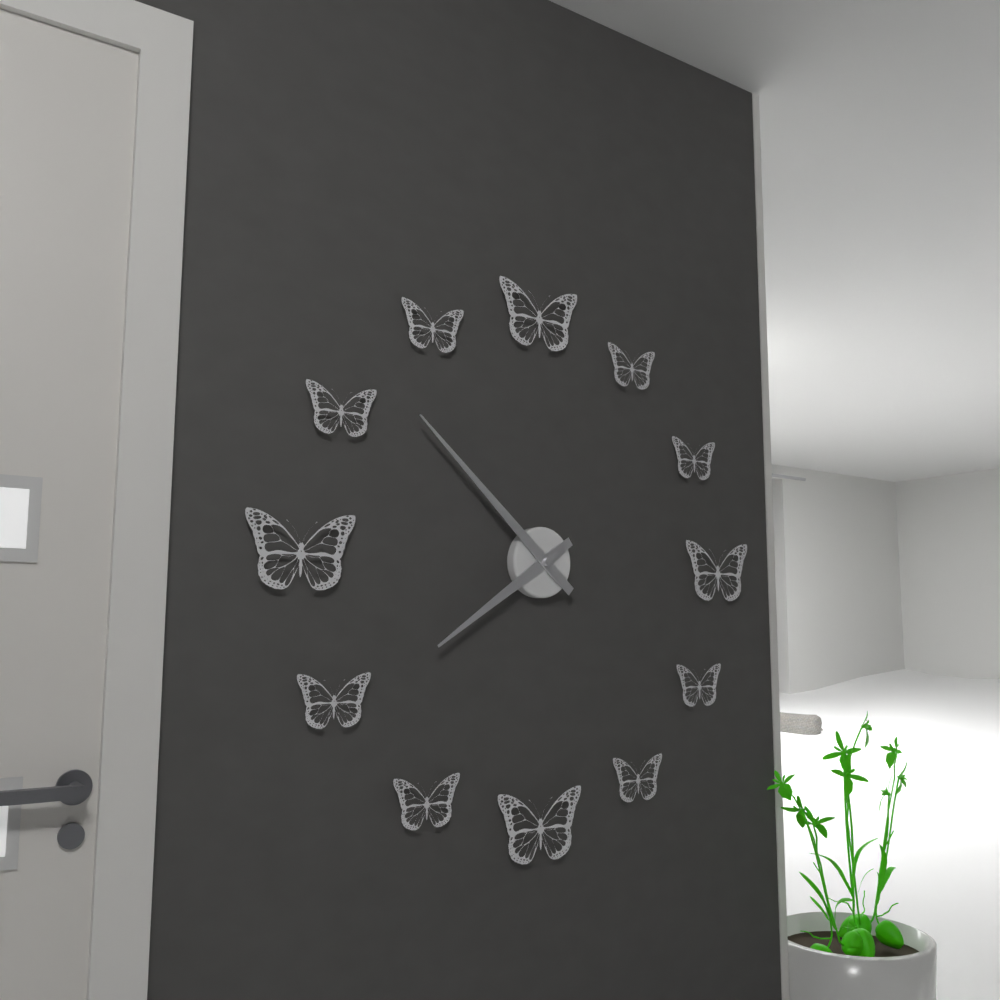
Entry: h=7 m=52
